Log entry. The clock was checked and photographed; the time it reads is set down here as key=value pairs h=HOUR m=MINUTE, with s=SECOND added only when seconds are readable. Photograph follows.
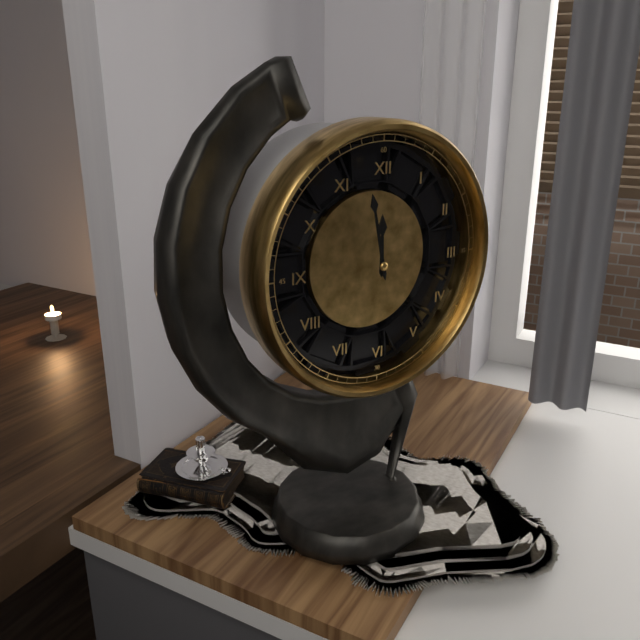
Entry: h=11 m=58
